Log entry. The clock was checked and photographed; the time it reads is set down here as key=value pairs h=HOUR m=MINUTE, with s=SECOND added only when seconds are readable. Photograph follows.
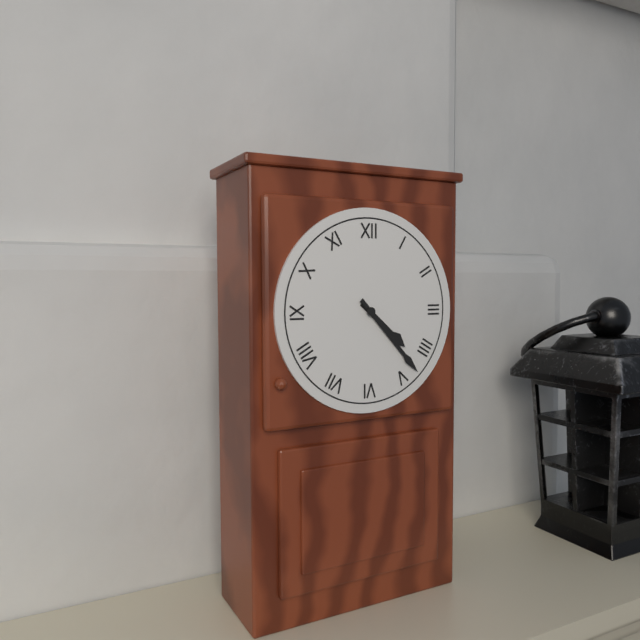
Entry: h=4 m=23
